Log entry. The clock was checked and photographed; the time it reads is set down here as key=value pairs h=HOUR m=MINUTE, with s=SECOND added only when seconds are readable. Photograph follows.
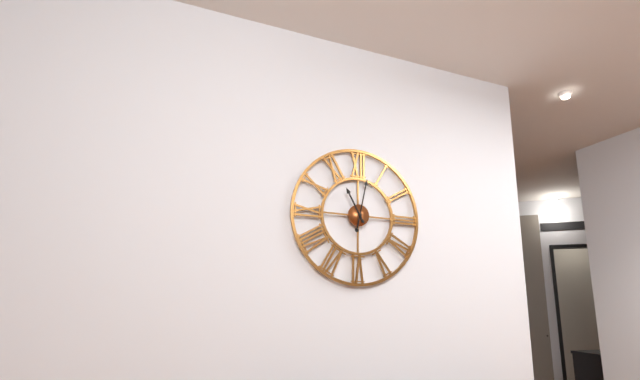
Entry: h=11 m=2
